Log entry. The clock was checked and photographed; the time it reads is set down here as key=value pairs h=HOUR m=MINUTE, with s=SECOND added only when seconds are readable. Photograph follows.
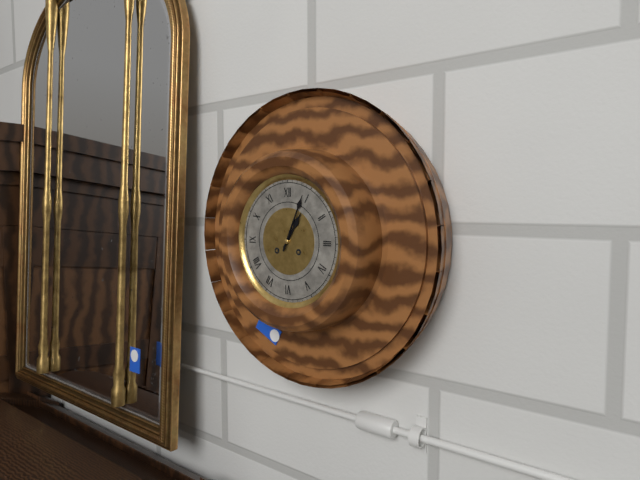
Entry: h=1 m=4
